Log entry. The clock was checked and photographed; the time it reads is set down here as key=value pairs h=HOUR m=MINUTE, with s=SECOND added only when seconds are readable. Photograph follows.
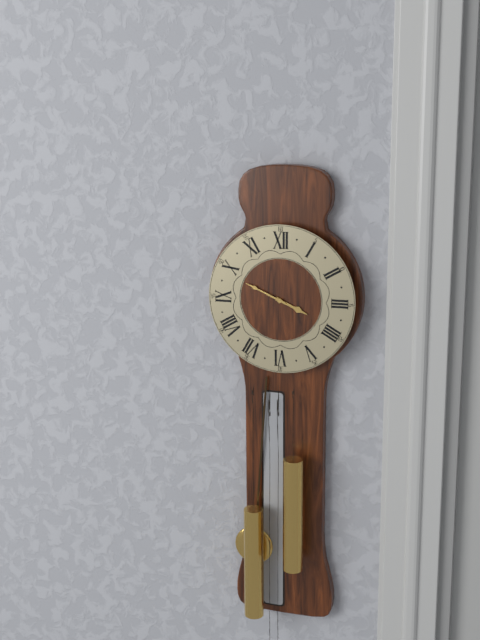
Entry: h=3 m=49
